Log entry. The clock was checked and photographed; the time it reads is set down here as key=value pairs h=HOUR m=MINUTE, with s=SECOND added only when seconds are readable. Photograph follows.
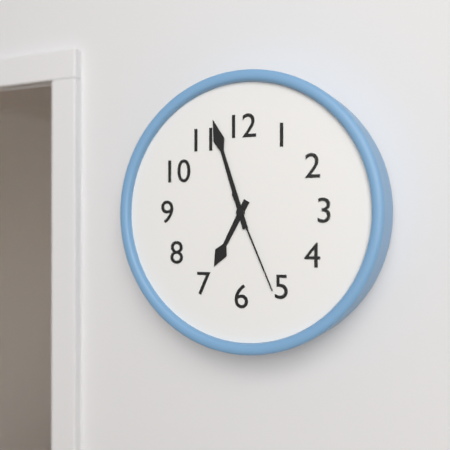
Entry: h=6 m=57 s=26
